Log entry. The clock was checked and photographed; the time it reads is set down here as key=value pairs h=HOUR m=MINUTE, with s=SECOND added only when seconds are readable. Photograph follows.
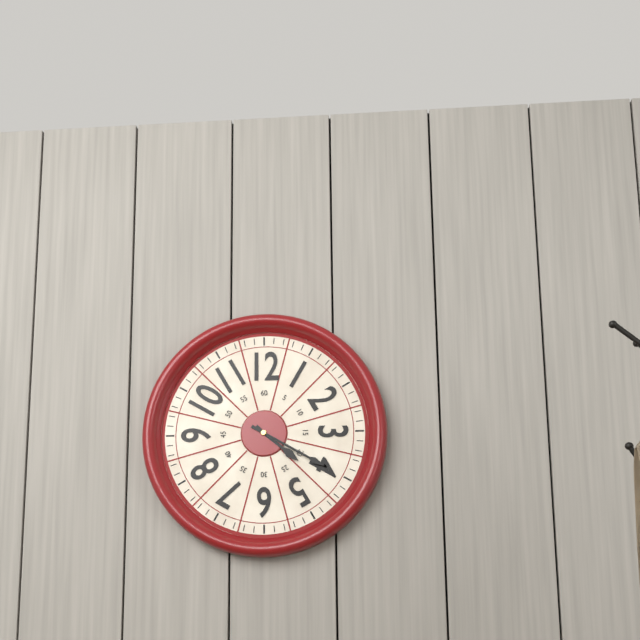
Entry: h=4 m=20
